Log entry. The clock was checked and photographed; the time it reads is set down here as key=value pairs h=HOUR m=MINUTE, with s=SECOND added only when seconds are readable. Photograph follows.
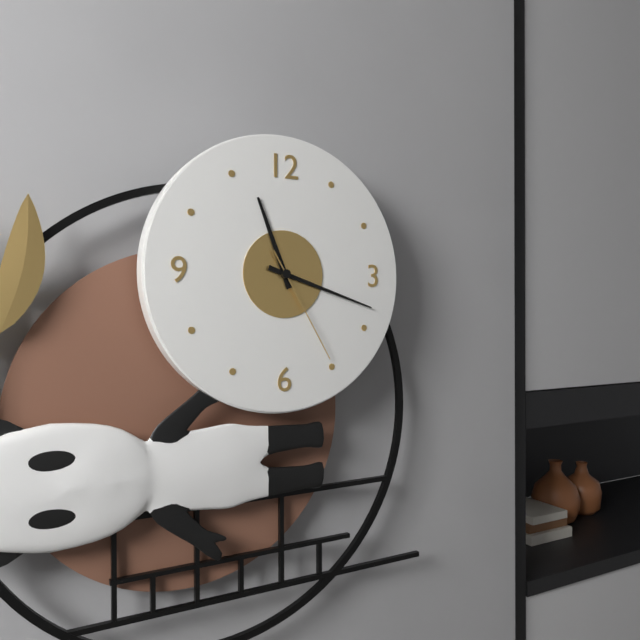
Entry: h=11 m=18 s=25
